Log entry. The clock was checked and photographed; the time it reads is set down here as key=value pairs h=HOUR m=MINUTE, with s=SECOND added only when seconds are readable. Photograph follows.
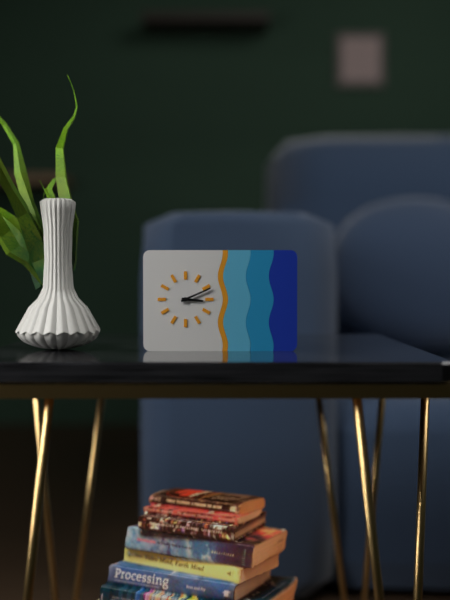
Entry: h=3 m=11
